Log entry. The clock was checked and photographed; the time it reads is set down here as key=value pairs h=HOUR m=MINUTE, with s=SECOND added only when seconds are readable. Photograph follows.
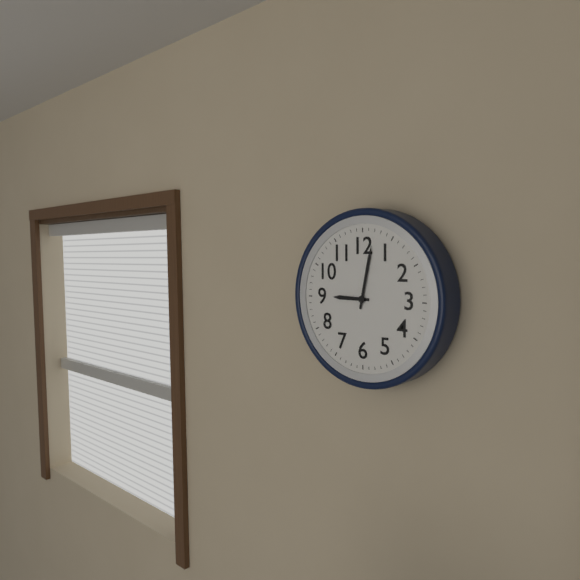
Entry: h=9 m=2
